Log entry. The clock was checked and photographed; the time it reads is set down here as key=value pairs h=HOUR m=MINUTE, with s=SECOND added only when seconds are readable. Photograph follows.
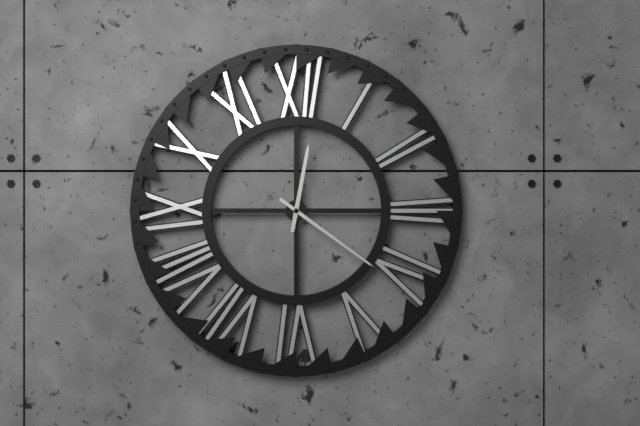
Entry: h=12 m=21
